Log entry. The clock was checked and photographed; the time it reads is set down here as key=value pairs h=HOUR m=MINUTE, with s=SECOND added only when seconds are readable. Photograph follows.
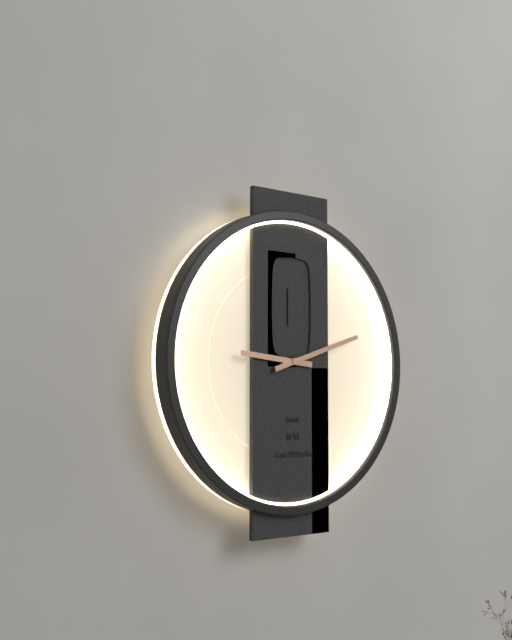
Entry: h=9 m=12
